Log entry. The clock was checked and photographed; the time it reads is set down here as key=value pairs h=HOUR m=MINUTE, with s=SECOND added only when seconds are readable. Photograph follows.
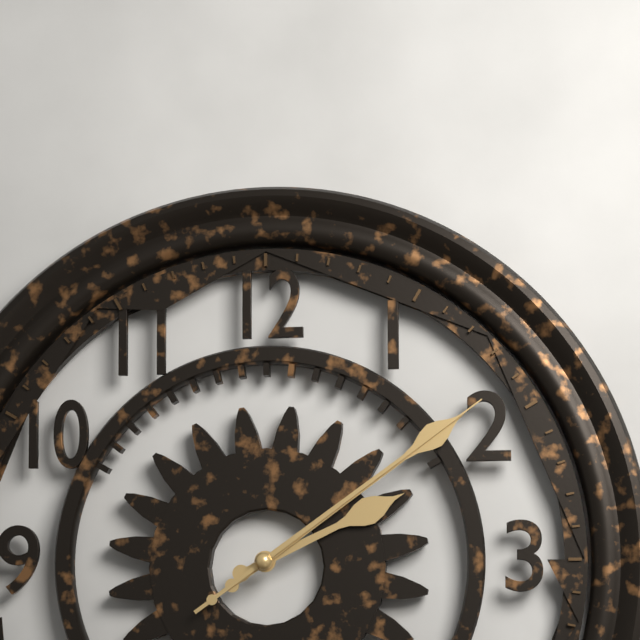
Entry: h=2 m=9 s=9
